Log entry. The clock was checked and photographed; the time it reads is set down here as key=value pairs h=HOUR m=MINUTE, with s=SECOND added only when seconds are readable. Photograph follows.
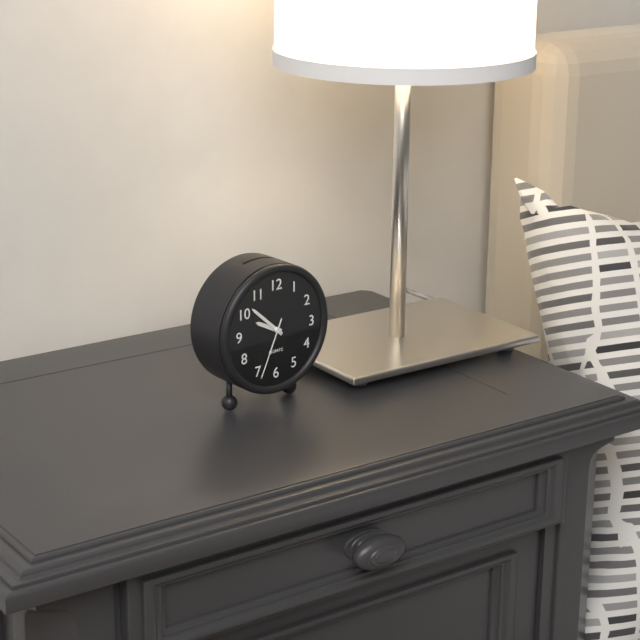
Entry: h=9 m=52 s=34
